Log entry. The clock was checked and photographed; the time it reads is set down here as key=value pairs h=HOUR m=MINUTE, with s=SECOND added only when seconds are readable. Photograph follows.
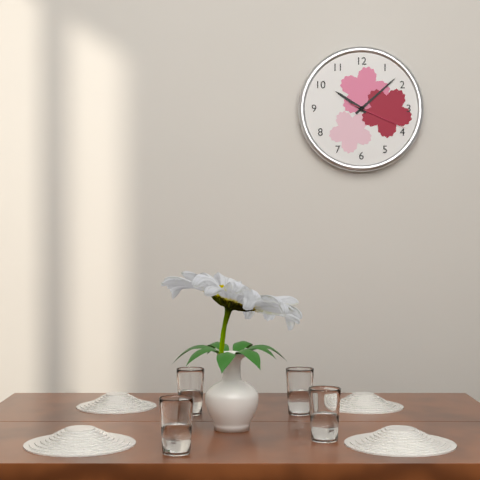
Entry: h=10 m=8 s=19
